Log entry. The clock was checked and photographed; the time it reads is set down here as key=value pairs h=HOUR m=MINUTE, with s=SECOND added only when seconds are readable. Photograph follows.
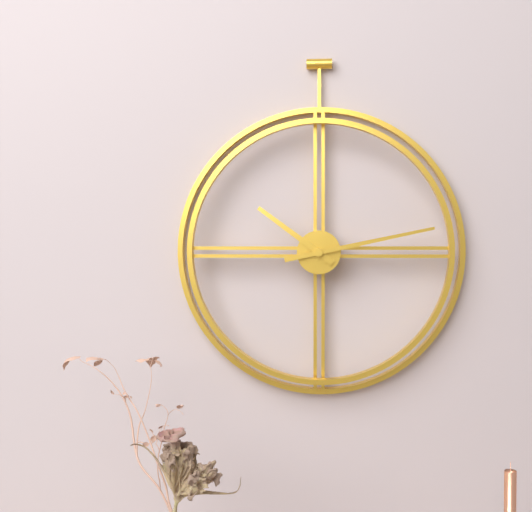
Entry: h=10 m=13
